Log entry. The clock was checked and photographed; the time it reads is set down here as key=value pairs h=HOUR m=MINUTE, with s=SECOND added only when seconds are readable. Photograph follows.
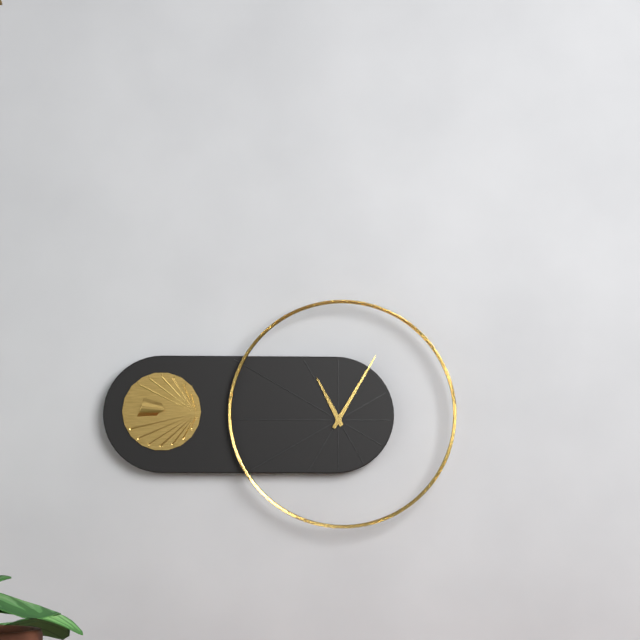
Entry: h=11 m=5
